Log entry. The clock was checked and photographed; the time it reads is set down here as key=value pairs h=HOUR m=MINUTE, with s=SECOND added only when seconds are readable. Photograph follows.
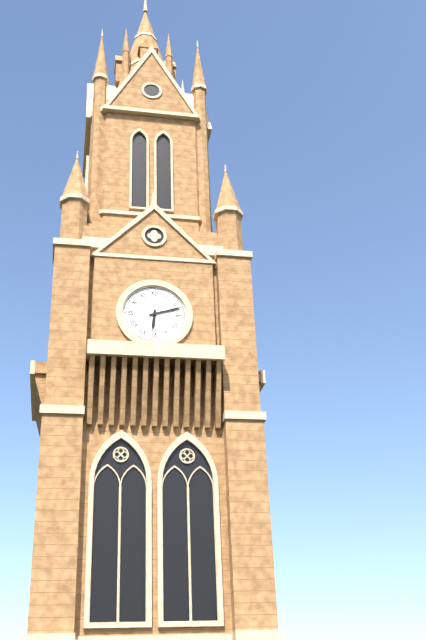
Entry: h=6 m=12
